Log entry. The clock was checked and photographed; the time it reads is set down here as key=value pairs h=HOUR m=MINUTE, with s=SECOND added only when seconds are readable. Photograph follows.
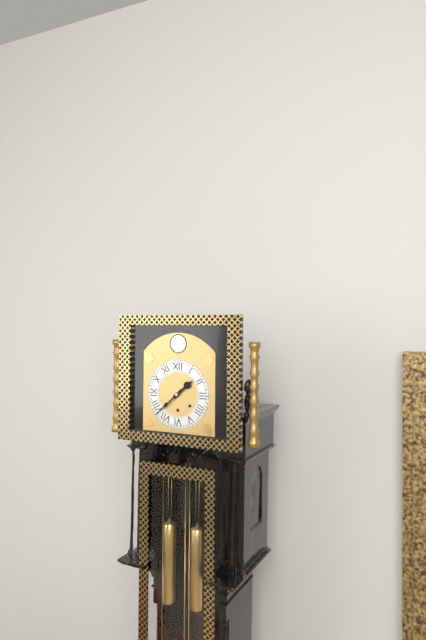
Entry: h=1 m=38
